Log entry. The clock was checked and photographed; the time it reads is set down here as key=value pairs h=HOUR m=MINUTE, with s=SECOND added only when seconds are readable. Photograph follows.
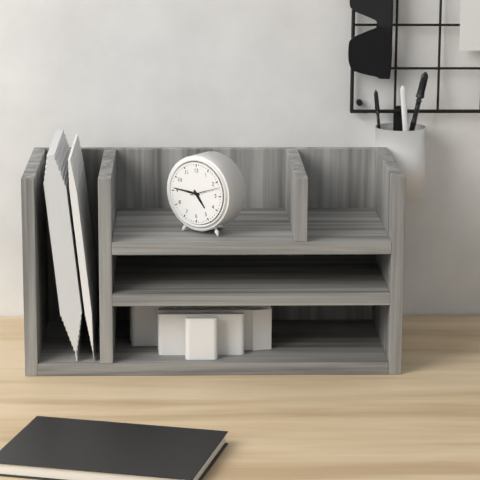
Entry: h=4 m=46
